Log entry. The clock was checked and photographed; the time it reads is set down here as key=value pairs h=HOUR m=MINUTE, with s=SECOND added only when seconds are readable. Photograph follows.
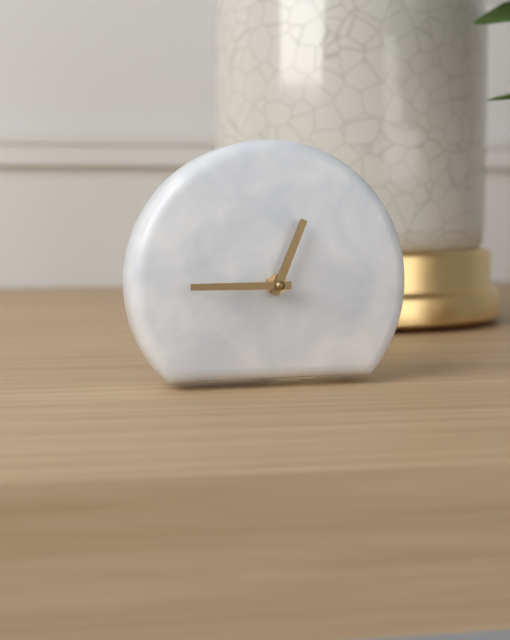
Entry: h=12 m=45
